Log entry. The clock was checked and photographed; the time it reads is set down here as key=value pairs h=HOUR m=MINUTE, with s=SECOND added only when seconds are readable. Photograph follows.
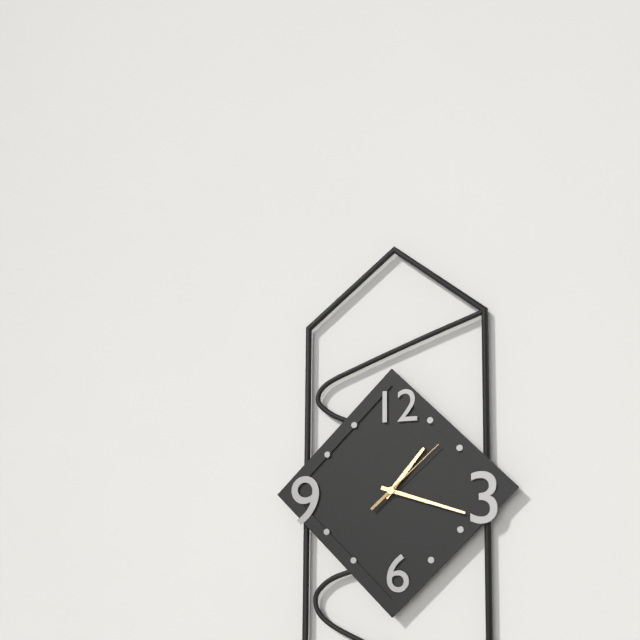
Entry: h=1 m=18 s=8
